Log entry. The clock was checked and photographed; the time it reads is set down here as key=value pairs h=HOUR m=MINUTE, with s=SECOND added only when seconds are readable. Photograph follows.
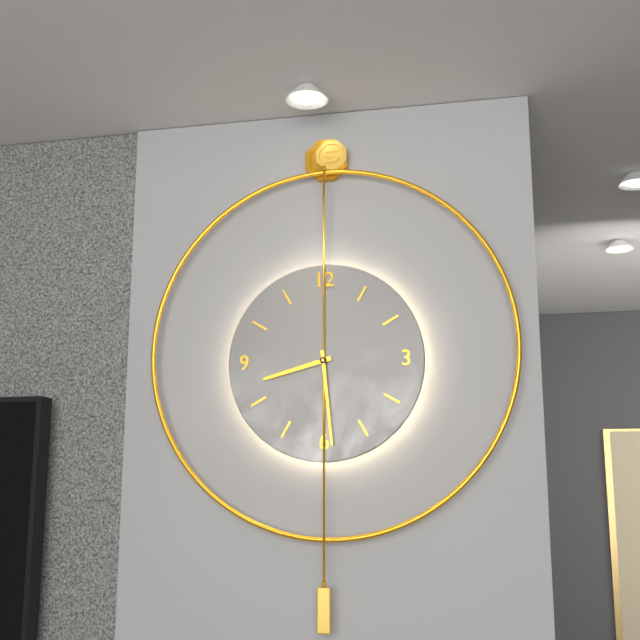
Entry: h=8 m=29
